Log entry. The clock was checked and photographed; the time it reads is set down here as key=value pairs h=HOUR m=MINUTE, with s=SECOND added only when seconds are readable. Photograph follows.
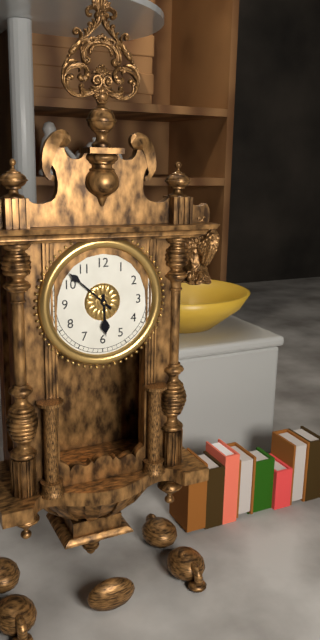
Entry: h=5 m=52
